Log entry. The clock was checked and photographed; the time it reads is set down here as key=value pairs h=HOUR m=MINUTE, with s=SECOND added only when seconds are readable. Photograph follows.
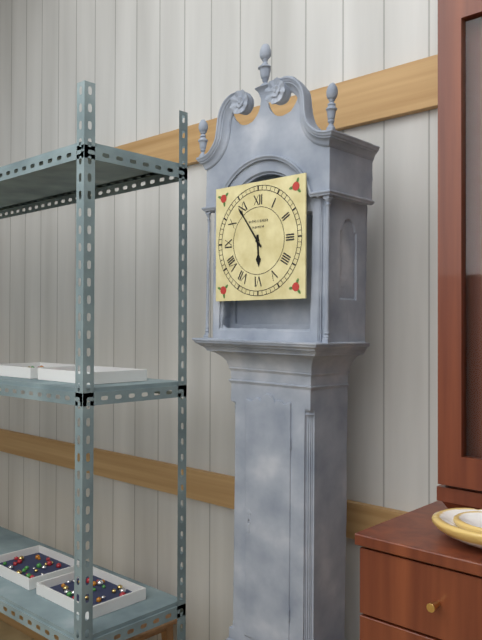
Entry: h=5 m=54
